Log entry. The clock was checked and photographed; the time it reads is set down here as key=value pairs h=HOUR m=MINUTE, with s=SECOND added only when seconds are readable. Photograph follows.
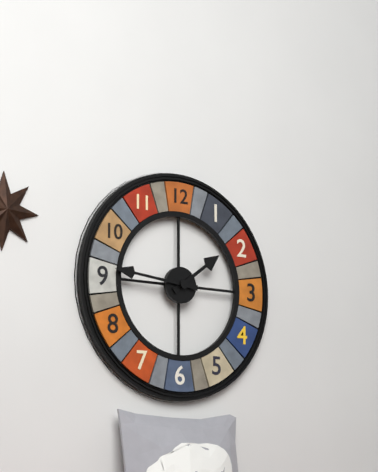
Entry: h=1 m=46
